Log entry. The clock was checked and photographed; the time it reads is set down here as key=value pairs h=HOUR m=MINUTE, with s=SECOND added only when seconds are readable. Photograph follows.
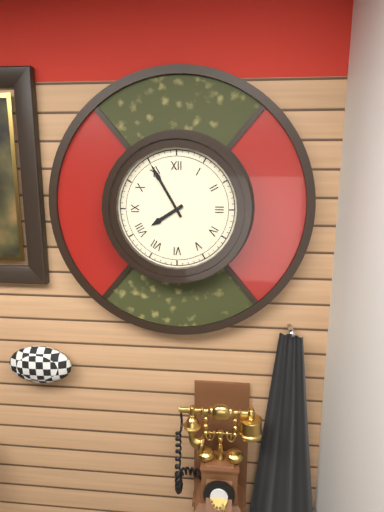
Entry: h=7 m=55
